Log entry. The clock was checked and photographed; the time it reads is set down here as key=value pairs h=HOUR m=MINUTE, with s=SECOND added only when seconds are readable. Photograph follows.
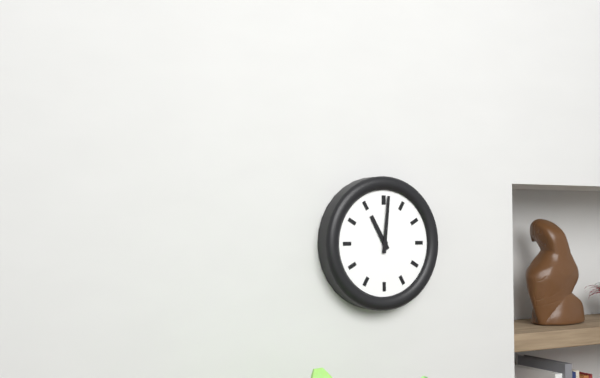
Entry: h=11 m=1
